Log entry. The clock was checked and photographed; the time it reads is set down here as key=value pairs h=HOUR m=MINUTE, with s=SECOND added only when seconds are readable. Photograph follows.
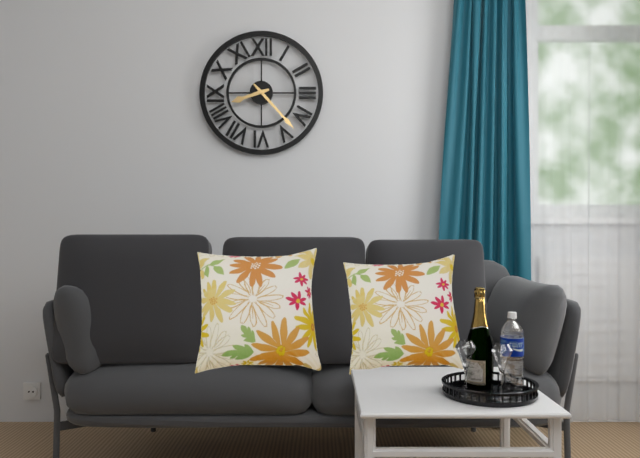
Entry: h=8 m=23
